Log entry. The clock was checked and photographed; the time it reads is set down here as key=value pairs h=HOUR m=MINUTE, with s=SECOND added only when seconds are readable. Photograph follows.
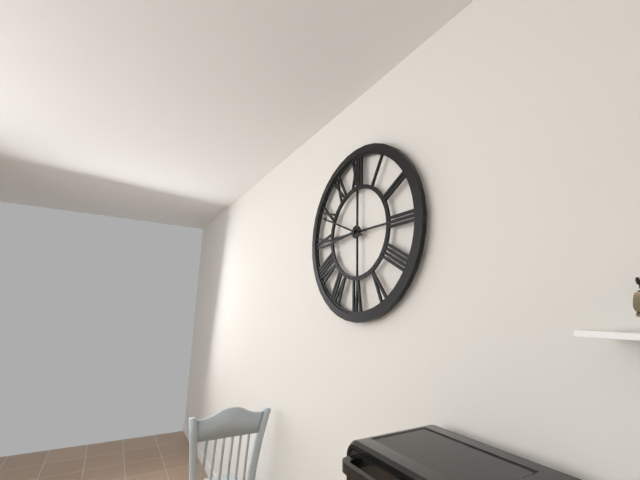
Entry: h=8 m=49
